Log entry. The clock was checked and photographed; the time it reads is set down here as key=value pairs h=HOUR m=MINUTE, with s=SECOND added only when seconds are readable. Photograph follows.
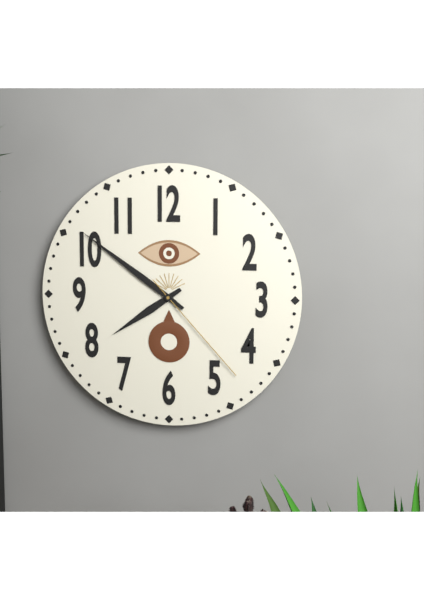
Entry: h=7 m=51 s=23
